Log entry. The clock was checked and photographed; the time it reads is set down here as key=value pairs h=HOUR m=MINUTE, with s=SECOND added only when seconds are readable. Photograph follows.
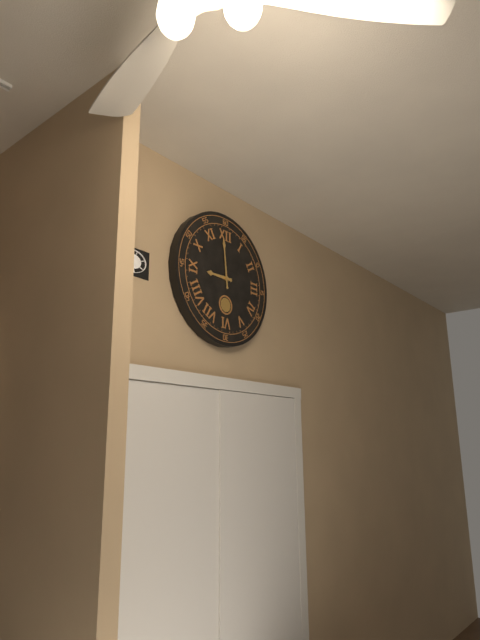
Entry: h=8 m=59
